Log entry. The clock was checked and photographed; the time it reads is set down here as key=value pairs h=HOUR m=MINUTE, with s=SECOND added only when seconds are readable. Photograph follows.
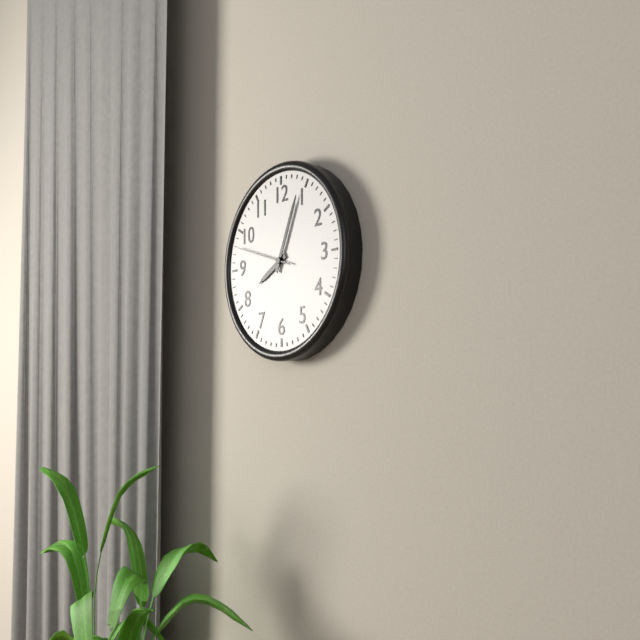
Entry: h=8 m=4 s=48
